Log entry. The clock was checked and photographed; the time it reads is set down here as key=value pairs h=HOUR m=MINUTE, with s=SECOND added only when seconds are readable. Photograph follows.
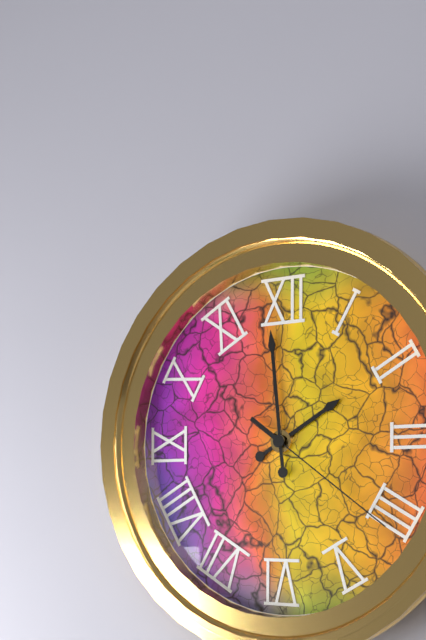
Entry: h=1 m=59 s=21
